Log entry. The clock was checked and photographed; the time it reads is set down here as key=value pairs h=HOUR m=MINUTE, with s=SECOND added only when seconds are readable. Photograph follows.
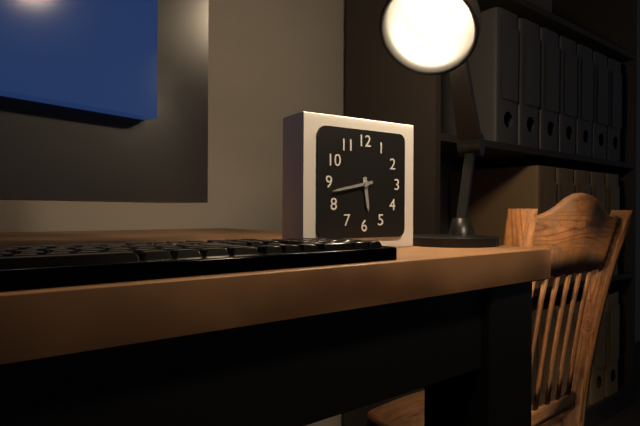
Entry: h=5 m=43
